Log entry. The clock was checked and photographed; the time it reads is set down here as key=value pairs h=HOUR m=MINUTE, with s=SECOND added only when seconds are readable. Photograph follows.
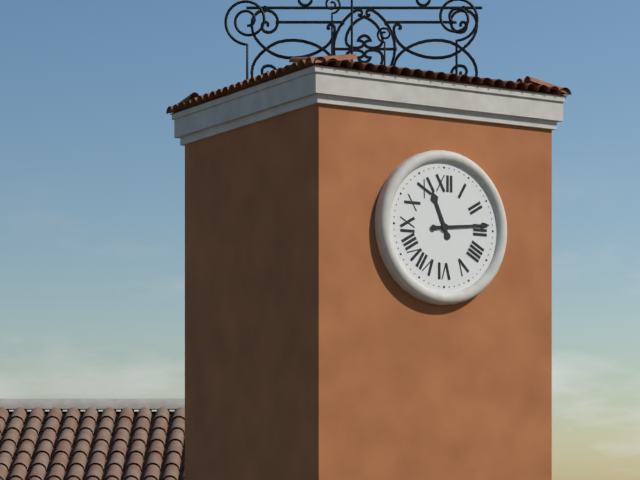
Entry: h=11 m=14
